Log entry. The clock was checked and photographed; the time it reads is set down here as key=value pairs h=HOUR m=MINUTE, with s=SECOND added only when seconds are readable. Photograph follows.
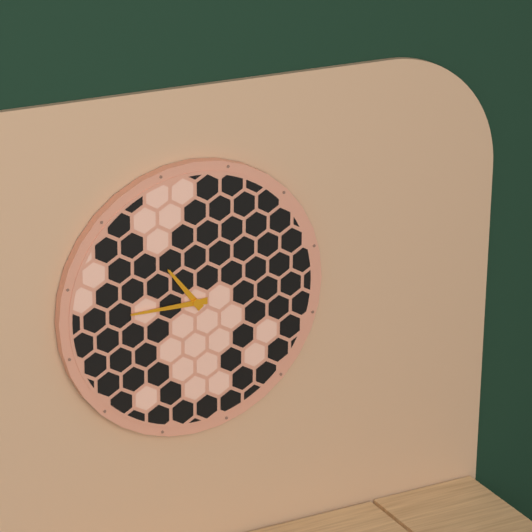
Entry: h=10 m=45
